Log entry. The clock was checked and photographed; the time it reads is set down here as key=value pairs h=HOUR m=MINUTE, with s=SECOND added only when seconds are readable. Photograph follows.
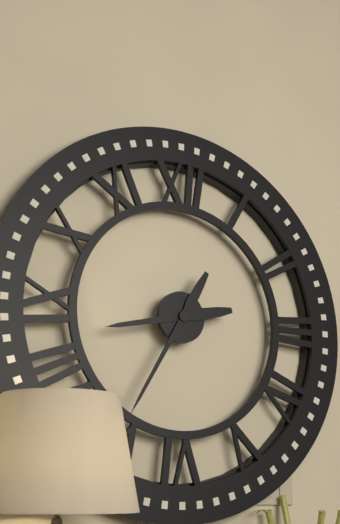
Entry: h=8 m=35
